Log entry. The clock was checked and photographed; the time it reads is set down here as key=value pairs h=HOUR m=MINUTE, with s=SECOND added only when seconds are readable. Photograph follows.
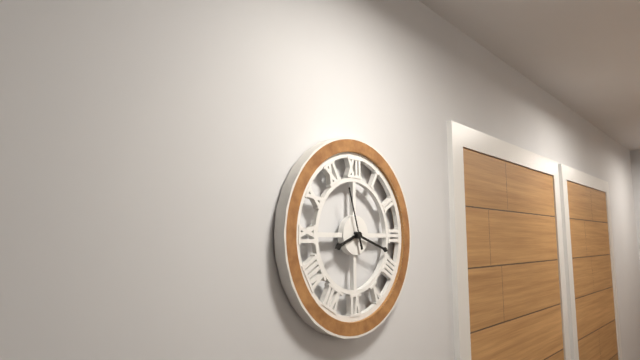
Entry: h=8 m=18 s=57
